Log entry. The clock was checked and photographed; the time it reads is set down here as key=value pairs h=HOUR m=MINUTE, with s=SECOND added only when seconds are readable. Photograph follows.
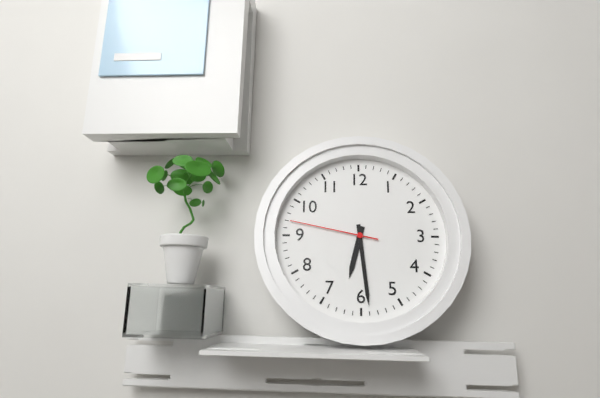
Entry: h=6 m=29 s=47
